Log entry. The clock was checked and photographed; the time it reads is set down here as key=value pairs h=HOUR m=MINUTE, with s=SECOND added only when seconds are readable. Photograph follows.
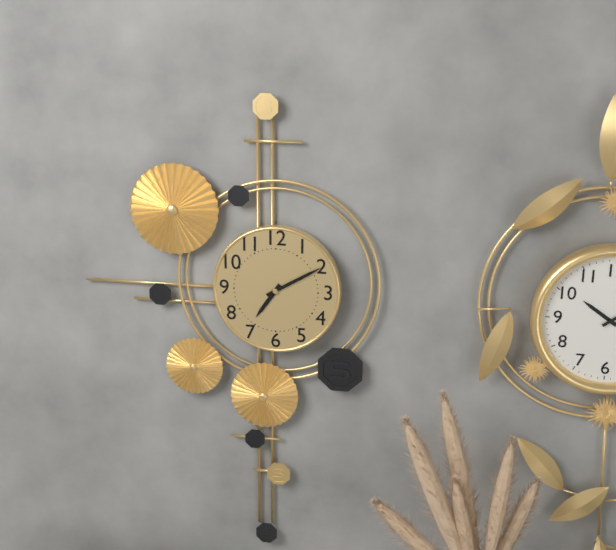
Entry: h=7 m=10
